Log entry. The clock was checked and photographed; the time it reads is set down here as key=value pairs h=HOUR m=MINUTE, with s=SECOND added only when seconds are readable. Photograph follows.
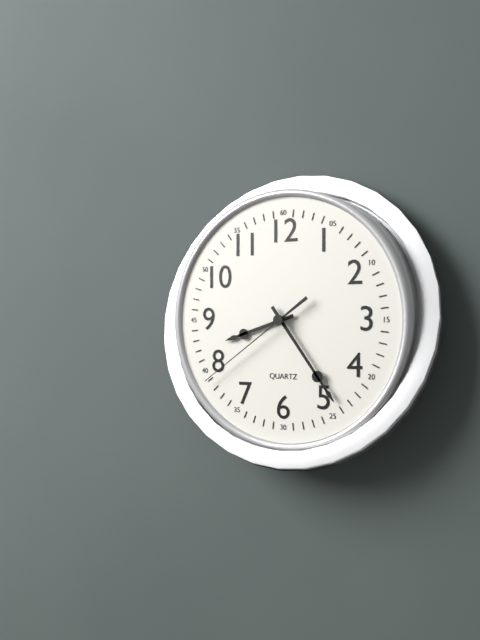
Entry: h=8 m=24 s=39
